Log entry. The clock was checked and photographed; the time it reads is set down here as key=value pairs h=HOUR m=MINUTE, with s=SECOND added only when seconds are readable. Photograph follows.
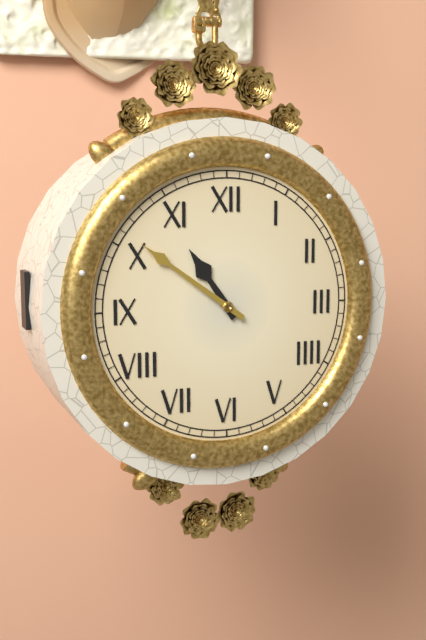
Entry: h=10 m=51
